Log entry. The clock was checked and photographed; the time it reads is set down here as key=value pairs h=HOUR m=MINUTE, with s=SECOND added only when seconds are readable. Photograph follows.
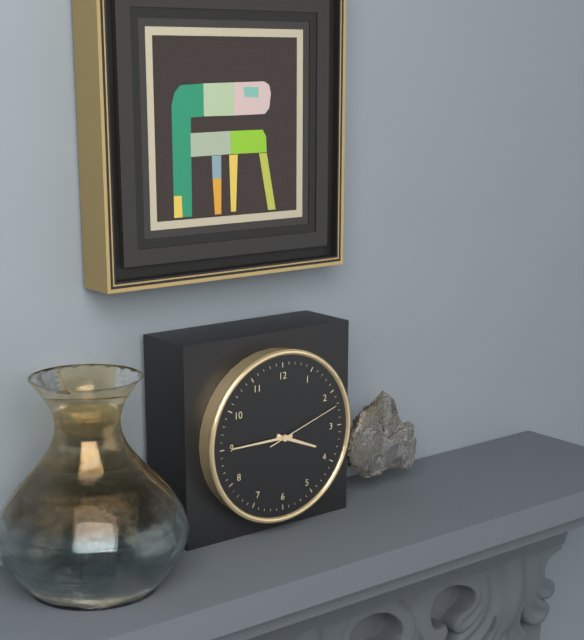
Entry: h=3 m=45 s=12
